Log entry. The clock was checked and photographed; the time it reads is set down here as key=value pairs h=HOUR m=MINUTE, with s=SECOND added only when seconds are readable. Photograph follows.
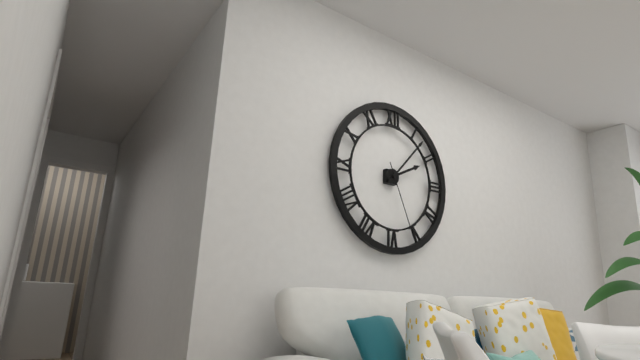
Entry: h=2 m=7 s=26
